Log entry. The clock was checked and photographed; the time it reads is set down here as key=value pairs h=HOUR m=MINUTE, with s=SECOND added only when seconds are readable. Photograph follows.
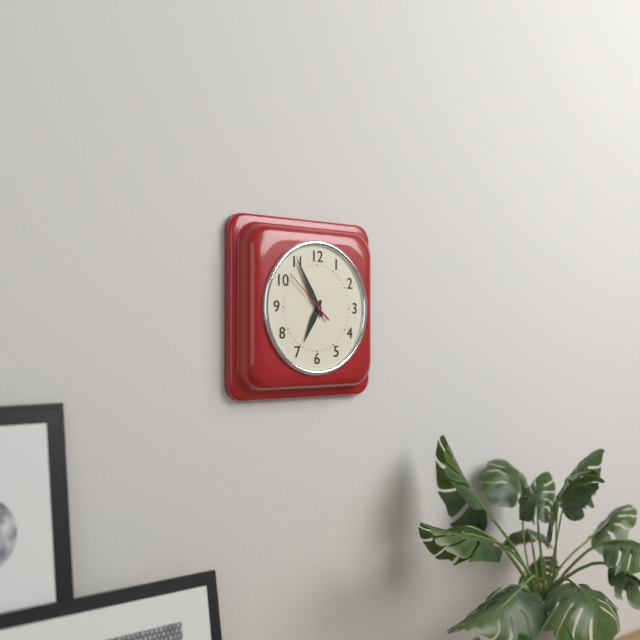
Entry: h=6 m=55 s=52
